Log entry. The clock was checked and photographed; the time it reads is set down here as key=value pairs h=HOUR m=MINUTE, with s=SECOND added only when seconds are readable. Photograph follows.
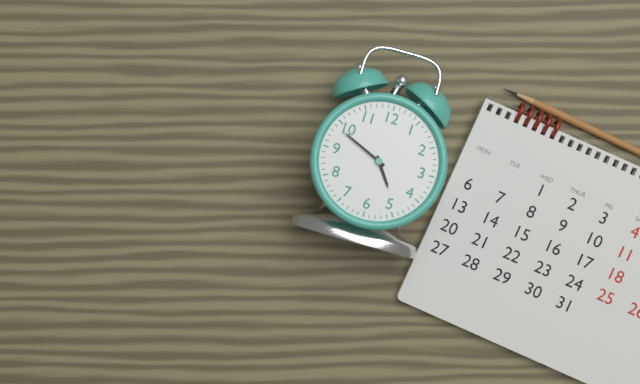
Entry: h=4 m=49
